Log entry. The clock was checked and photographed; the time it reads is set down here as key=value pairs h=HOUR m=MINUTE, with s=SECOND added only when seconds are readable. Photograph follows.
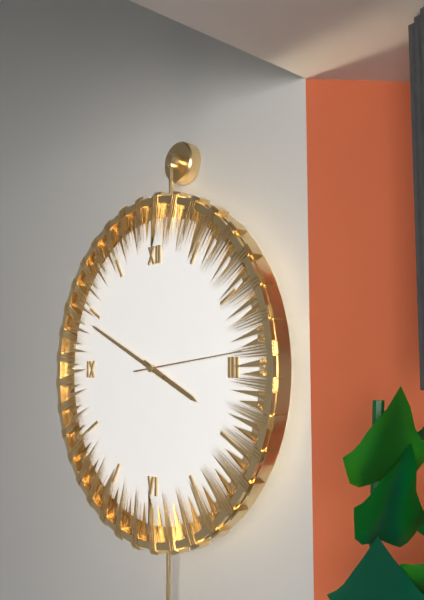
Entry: h=3 m=49 s=14
